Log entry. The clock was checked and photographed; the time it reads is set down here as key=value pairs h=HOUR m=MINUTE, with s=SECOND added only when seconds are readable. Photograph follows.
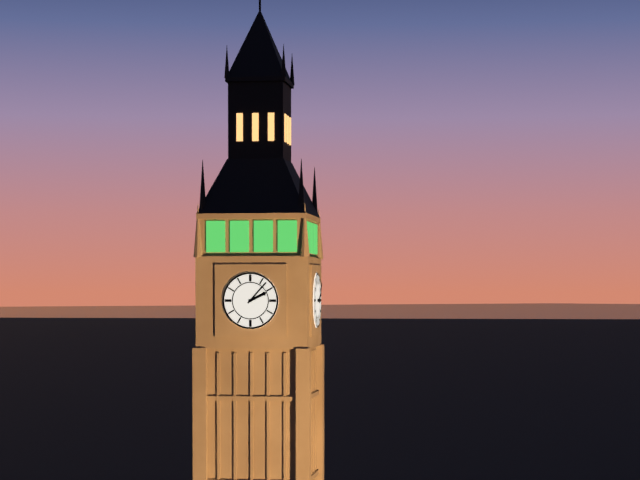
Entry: h=2 m=7
